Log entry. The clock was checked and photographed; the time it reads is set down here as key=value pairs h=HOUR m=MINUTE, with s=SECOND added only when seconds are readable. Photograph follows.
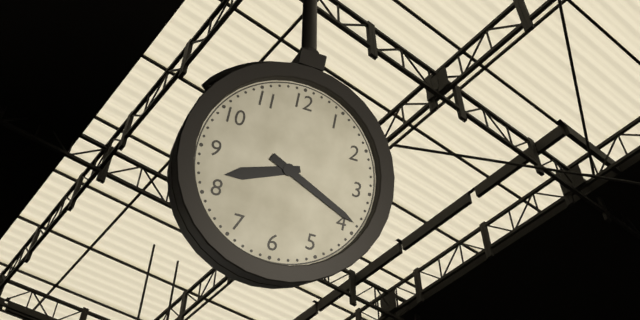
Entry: h=8 m=19
